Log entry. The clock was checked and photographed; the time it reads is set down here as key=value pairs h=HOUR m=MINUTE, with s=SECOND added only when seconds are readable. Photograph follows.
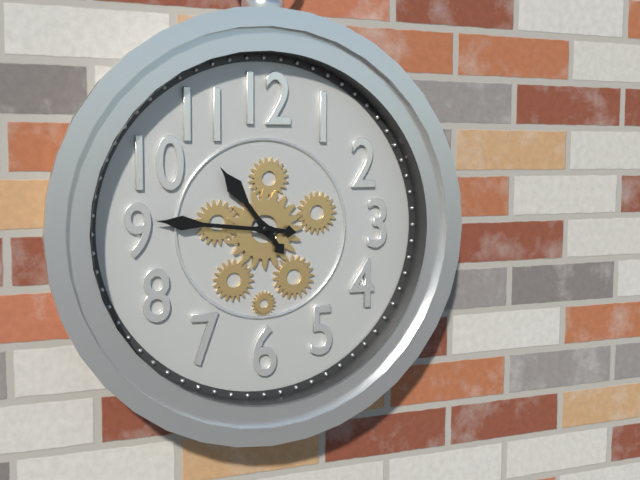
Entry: h=10 m=46
